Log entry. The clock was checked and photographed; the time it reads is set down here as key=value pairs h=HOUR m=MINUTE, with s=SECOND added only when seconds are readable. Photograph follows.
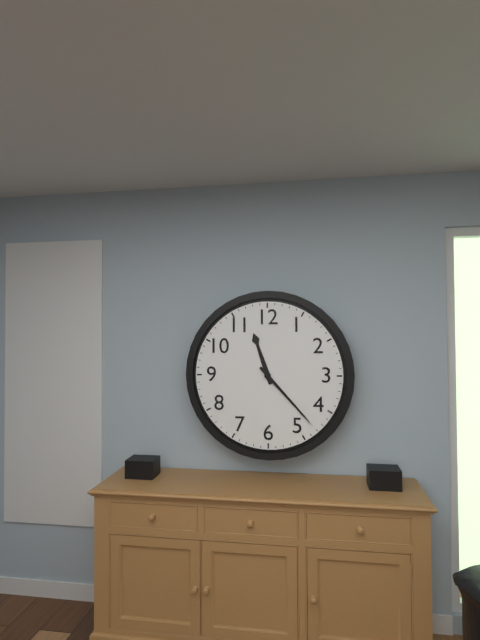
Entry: h=11 m=23
